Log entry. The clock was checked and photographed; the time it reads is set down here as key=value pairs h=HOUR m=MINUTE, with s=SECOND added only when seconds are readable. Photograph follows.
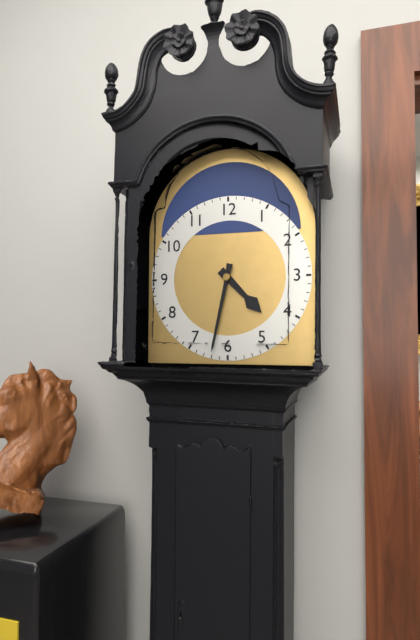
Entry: h=4 m=32
